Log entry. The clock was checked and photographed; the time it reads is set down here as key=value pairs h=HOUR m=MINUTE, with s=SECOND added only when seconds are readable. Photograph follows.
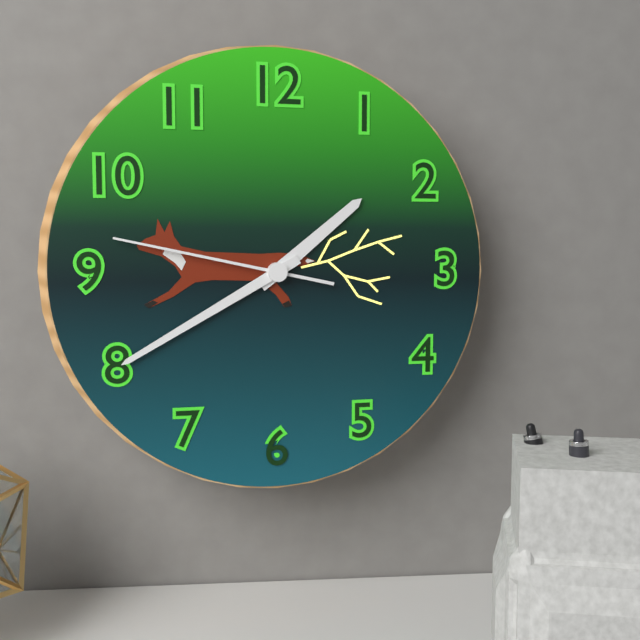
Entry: h=1 m=40 s=47
